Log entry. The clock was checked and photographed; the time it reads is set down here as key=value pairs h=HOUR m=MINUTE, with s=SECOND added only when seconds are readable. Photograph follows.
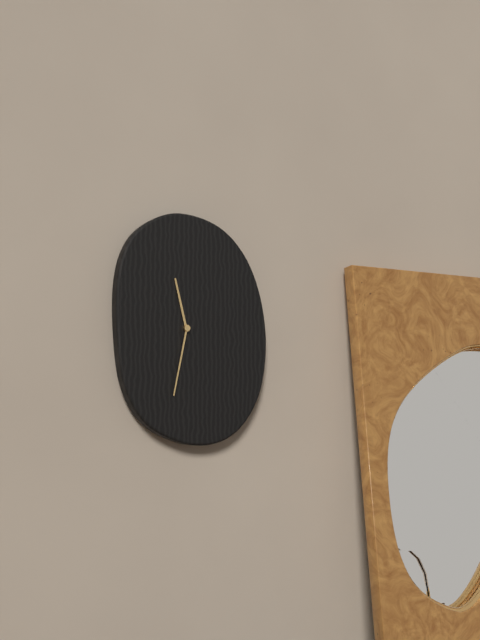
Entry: h=11 m=32
